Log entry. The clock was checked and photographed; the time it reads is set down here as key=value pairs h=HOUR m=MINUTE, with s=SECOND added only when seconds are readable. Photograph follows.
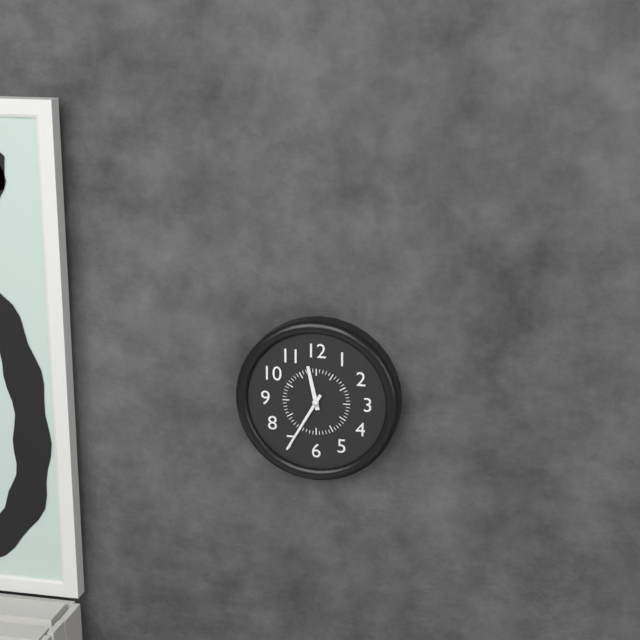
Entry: h=11 m=35
